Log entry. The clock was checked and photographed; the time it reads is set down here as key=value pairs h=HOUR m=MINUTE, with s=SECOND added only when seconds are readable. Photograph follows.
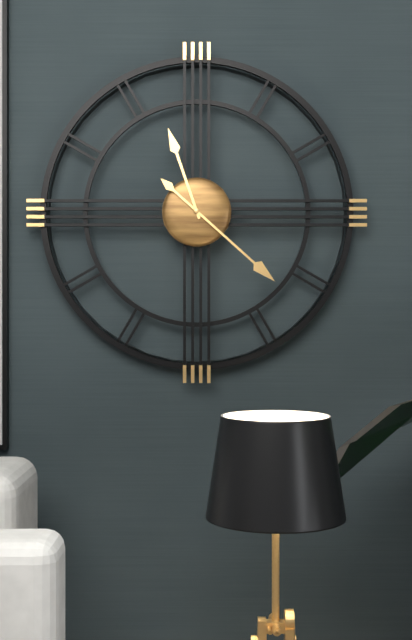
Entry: h=11 m=22
